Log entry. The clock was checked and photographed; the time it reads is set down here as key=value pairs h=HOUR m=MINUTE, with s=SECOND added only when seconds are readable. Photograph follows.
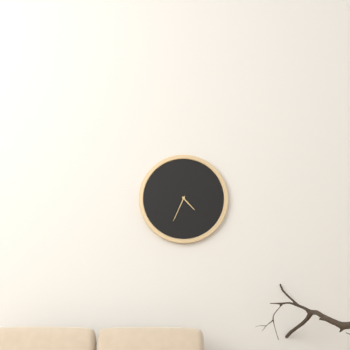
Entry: h=4 m=34
